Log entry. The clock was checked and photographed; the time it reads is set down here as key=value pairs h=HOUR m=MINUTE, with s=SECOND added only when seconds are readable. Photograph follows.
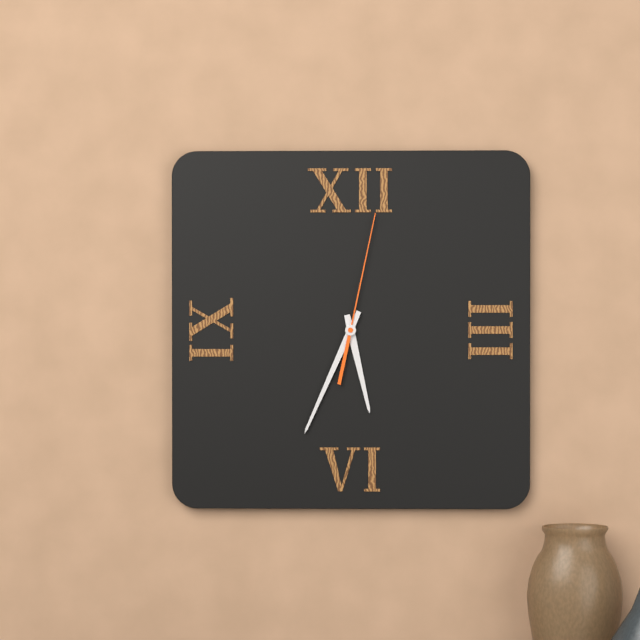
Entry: h=5 m=34 s=2
